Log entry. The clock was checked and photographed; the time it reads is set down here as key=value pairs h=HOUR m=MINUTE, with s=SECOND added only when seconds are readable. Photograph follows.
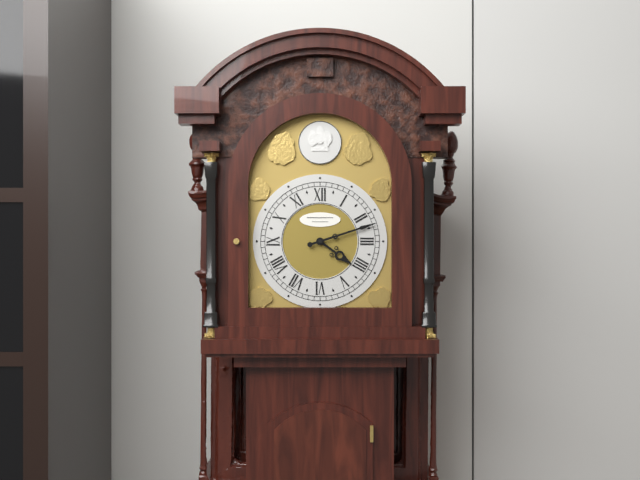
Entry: h=4 m=12
